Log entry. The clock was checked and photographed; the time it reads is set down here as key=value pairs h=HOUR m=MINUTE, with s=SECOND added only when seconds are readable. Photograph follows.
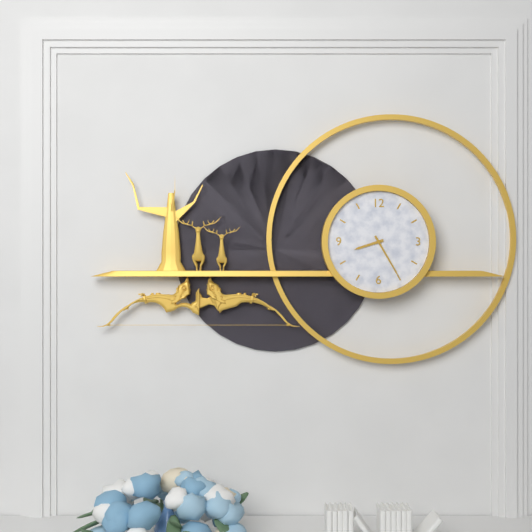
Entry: h=8 m=25
